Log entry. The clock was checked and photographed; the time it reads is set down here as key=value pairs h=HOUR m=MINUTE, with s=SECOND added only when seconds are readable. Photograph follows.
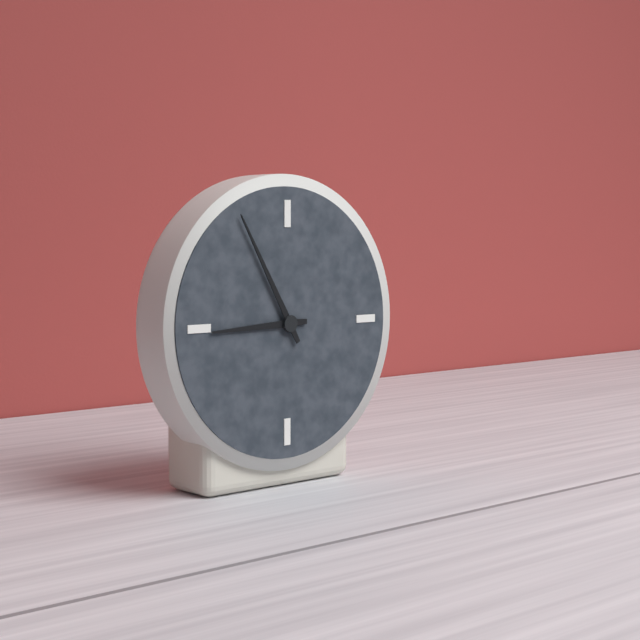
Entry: h=8 m=55
